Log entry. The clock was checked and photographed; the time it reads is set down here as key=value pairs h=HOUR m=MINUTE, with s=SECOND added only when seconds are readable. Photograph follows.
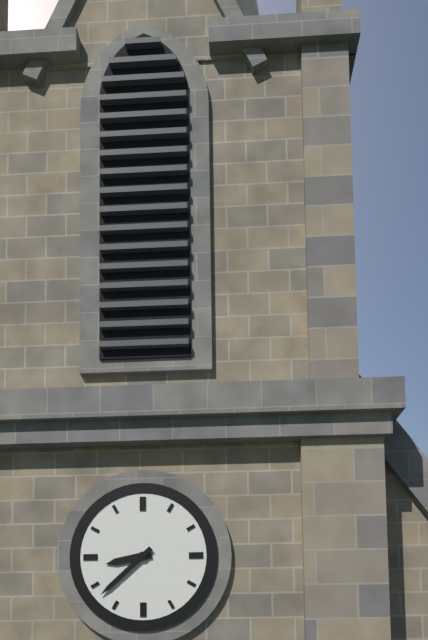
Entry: h=8 m=38
